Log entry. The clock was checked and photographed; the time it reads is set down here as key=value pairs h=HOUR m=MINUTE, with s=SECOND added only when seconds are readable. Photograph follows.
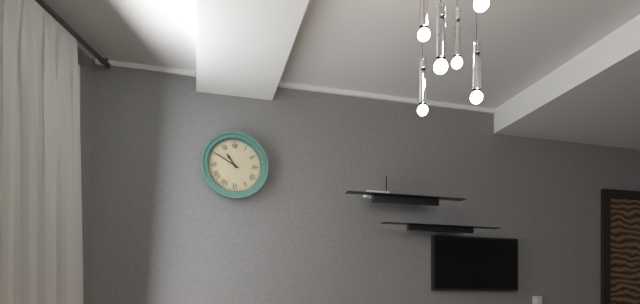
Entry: h=10 m=50
